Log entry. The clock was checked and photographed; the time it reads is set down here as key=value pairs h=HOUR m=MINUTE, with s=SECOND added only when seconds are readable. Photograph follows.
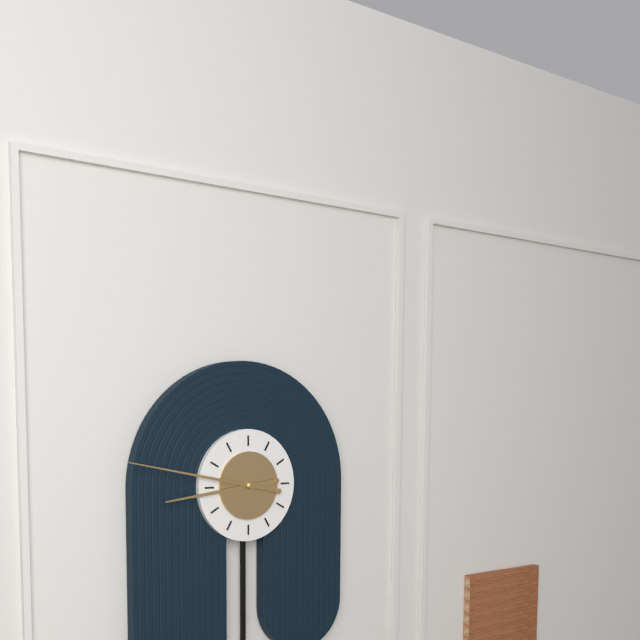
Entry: h=8 m=47
